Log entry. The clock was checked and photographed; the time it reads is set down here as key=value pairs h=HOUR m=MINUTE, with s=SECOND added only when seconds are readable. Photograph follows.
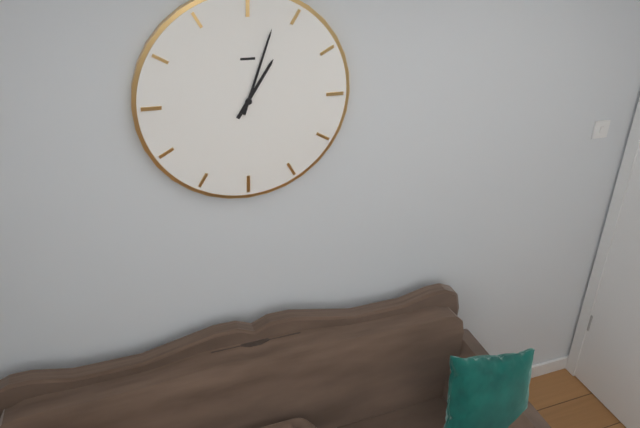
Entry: h=1 m=3
